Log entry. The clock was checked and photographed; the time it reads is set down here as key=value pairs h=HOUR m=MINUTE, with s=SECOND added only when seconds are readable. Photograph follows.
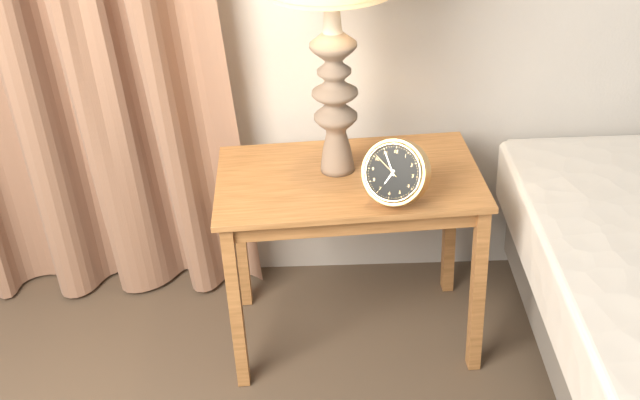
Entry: h=6 m=55
